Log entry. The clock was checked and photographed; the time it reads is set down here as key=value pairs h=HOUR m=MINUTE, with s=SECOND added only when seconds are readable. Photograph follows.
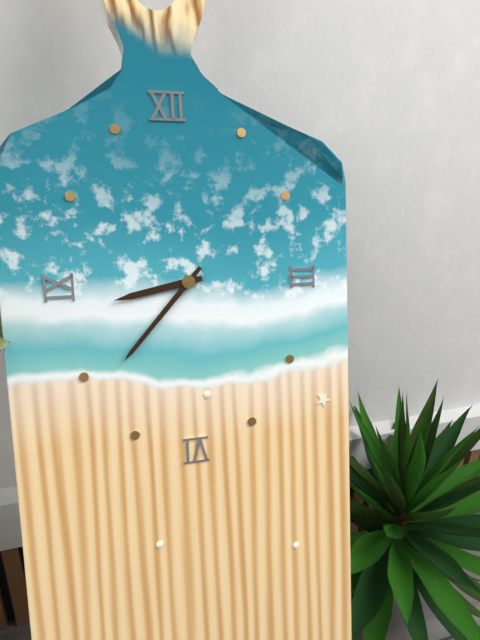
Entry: h=8 m=37
